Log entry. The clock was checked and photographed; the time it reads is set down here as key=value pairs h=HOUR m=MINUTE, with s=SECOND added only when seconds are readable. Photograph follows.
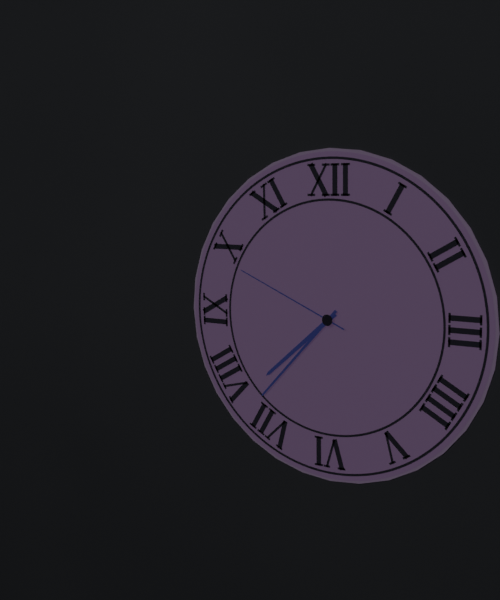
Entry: h=7 m=37 s=49
